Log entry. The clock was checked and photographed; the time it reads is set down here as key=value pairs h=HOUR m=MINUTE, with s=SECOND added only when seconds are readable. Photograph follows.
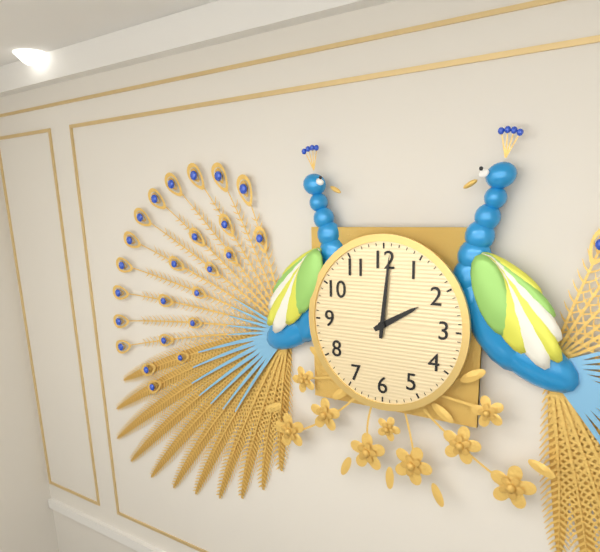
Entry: h=2 m=1
